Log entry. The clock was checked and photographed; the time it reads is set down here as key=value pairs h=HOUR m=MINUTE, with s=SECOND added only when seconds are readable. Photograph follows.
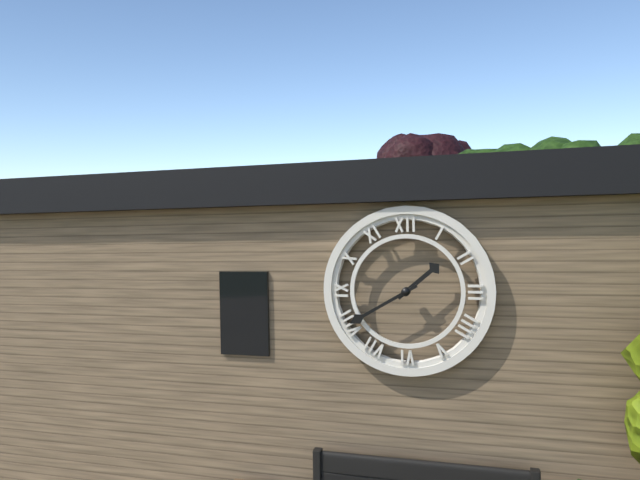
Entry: h=1 m=40
